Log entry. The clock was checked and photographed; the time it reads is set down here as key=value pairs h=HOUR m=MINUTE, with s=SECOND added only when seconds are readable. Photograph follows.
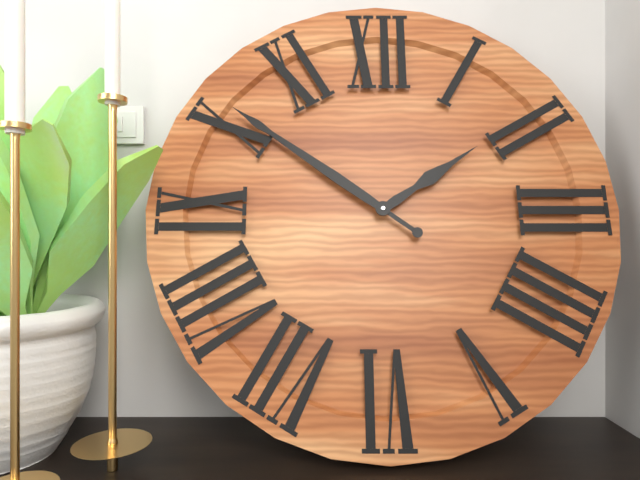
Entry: h=1 m=51
